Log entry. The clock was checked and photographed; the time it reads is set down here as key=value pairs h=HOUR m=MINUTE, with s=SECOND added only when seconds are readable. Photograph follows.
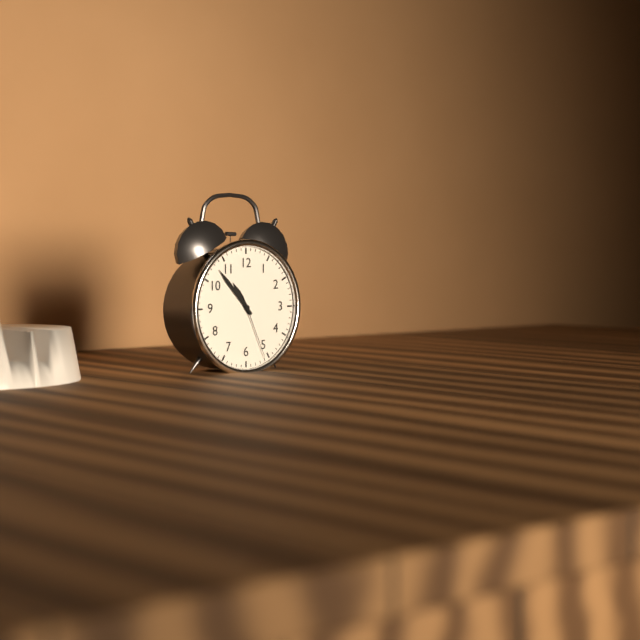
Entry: h=10 m=53 s=26
